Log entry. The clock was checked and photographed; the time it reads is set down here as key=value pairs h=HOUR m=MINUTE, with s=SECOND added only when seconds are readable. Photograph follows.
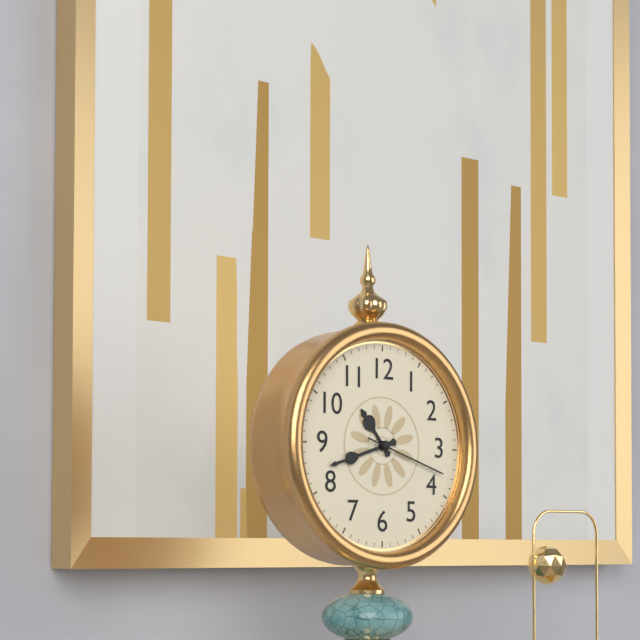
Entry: h=10 m=42 s=18
